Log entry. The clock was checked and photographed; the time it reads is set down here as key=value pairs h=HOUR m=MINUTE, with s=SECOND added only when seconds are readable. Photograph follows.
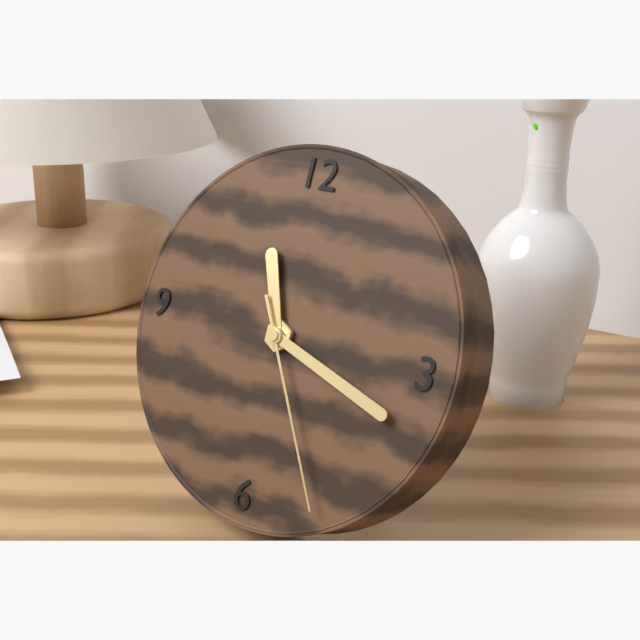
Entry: h=11 m=18 s=25
